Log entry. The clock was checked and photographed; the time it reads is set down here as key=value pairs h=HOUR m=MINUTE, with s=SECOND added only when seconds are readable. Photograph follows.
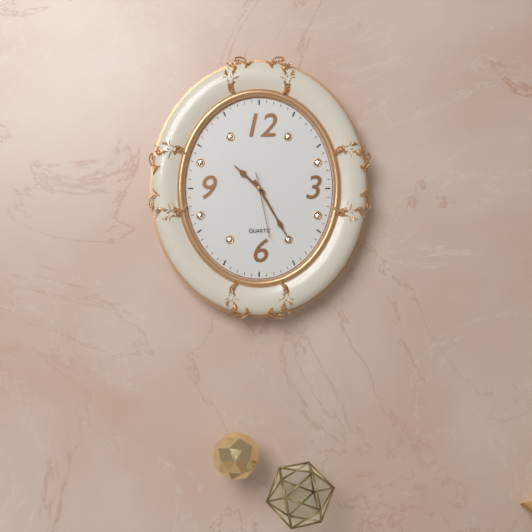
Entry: h=10 m=25 s=28
